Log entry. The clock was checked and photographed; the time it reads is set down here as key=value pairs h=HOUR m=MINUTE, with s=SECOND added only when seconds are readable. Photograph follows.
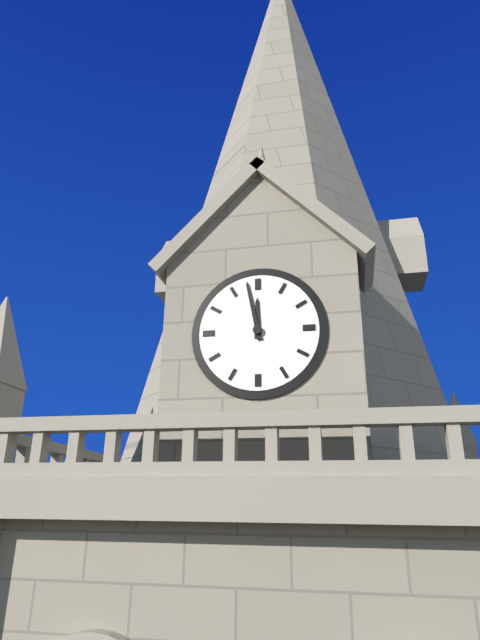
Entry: h=11 m=58
